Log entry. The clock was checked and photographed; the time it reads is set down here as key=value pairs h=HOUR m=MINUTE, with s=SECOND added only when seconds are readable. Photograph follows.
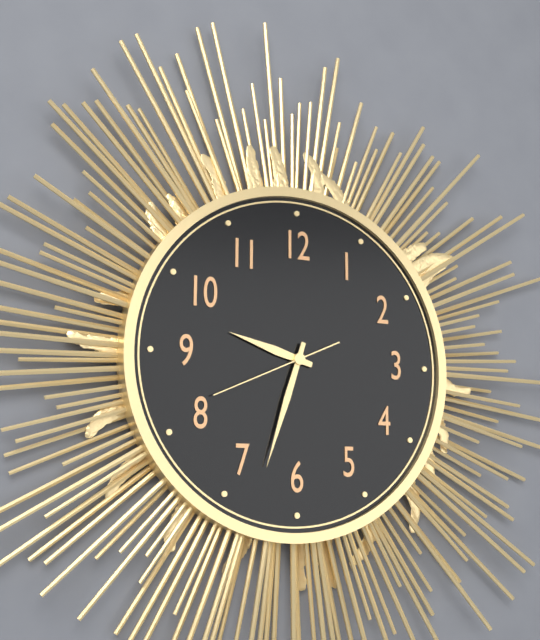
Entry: h=9 m=33 s=41
